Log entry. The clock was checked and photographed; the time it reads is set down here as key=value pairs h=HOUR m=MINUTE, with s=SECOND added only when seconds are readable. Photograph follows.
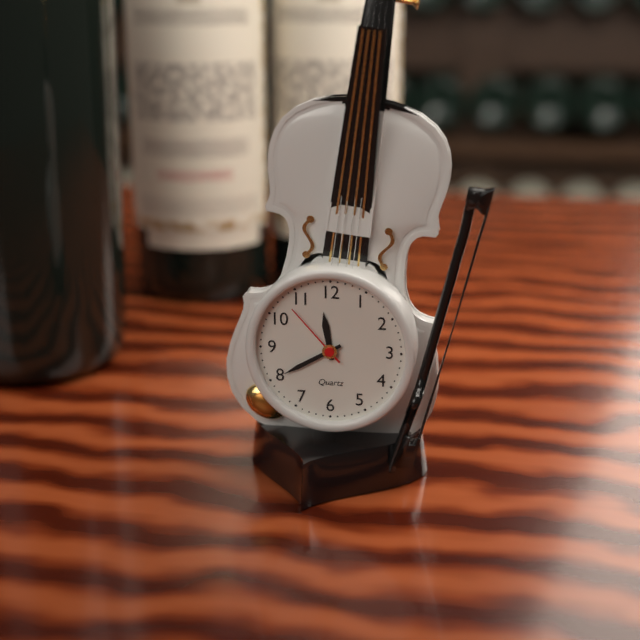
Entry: h=11 m=40 s=53
